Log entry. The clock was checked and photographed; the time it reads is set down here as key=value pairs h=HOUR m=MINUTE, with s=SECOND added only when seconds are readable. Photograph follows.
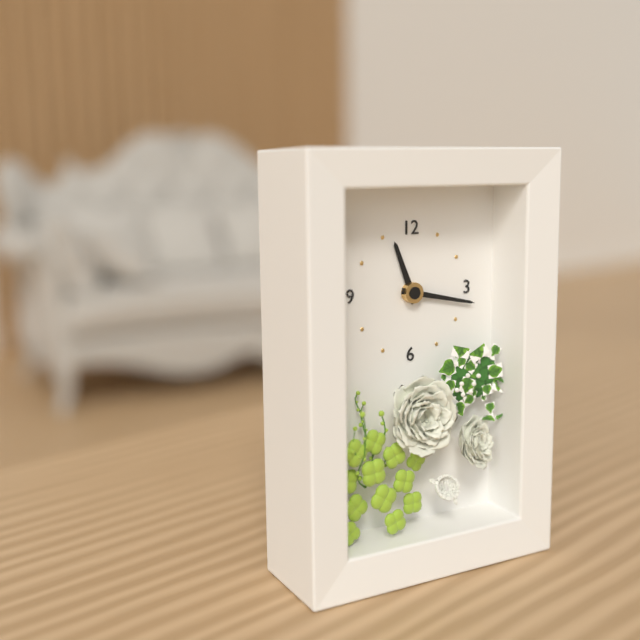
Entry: h=11 m=17
